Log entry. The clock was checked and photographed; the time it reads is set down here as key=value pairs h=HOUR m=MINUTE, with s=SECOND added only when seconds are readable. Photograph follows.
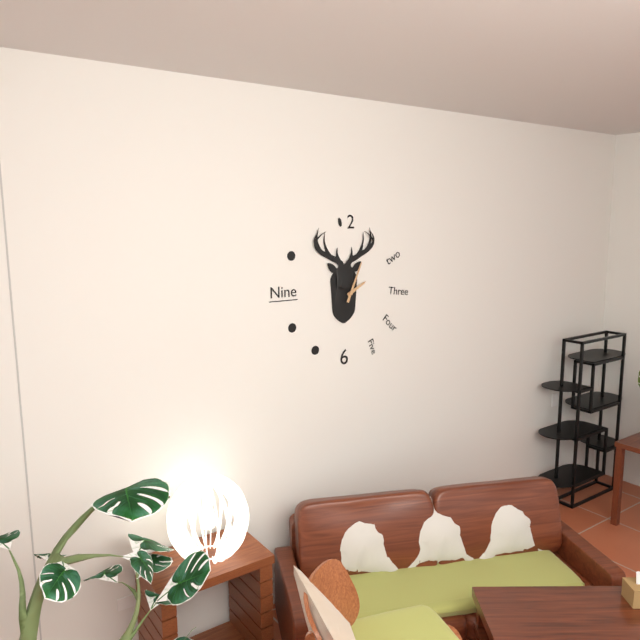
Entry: h=2 m=4
